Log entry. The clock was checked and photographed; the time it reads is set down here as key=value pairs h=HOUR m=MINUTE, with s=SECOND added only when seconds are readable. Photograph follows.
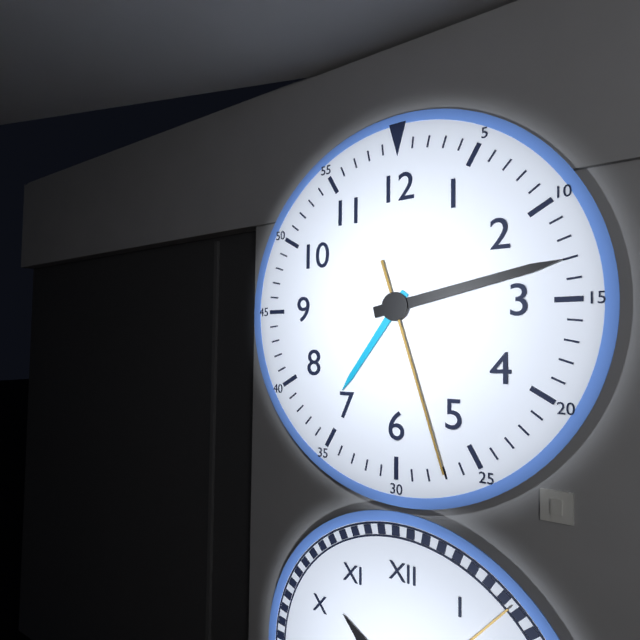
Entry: h=7 m=13 s=27
